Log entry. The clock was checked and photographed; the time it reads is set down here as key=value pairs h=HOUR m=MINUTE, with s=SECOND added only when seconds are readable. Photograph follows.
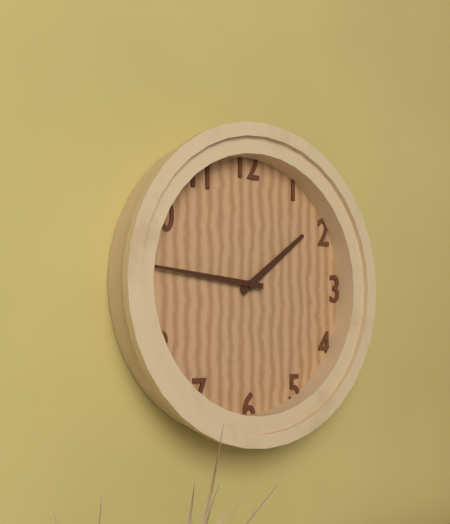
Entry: h=1 m=46
